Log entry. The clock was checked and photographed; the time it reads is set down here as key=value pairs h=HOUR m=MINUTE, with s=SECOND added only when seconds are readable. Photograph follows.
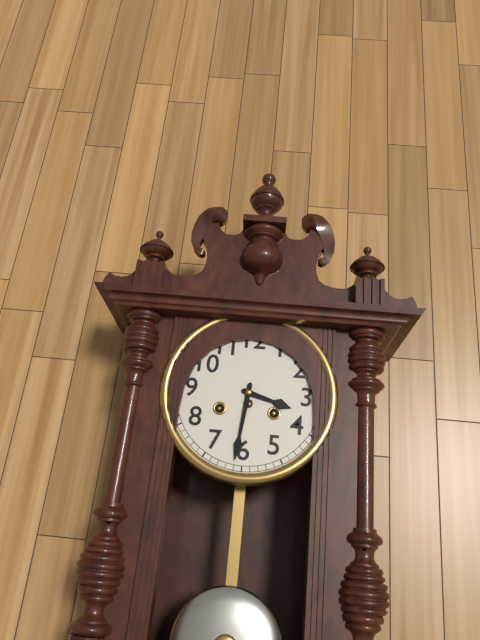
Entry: h=3 m=31
